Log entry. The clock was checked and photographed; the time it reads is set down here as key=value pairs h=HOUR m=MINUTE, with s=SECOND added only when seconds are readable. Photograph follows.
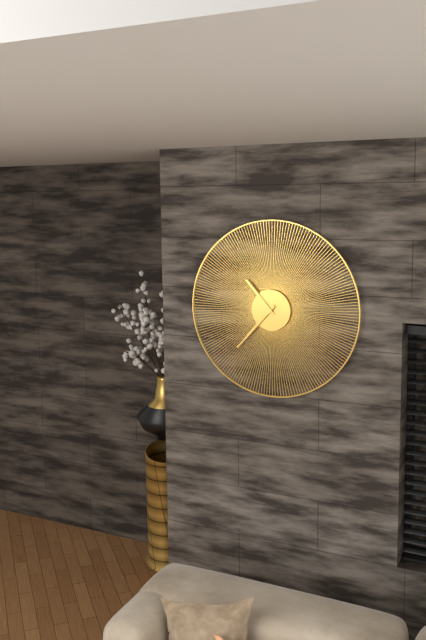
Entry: h=10 m=37
